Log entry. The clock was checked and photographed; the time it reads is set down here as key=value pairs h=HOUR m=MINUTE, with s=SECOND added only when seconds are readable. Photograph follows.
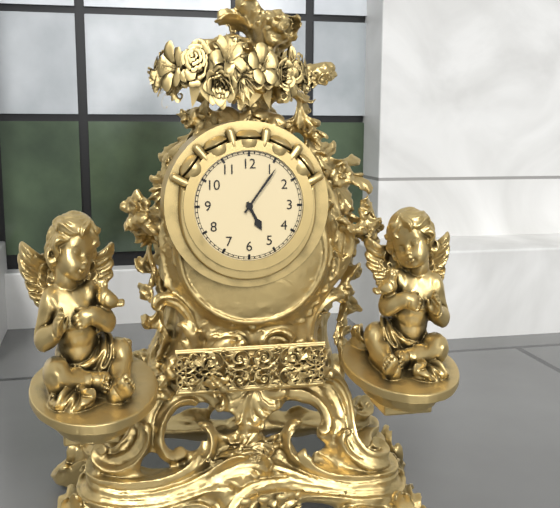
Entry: h=5 m=6
